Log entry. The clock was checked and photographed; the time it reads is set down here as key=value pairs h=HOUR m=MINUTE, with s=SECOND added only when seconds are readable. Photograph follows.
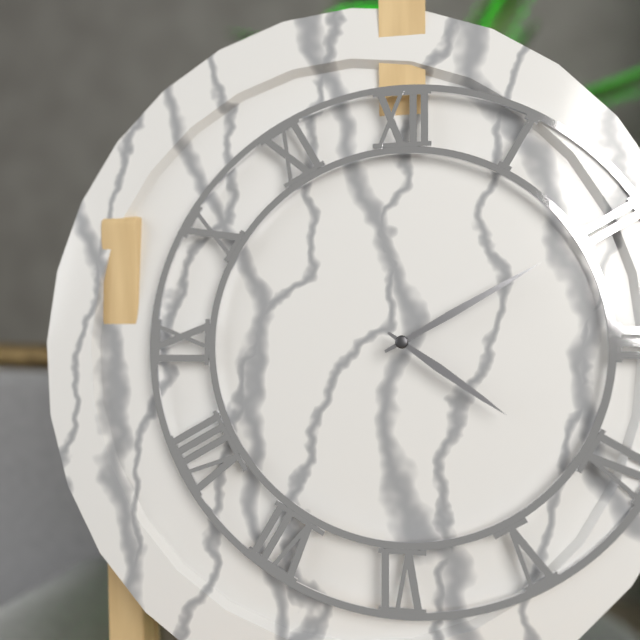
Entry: h=4 m=10
